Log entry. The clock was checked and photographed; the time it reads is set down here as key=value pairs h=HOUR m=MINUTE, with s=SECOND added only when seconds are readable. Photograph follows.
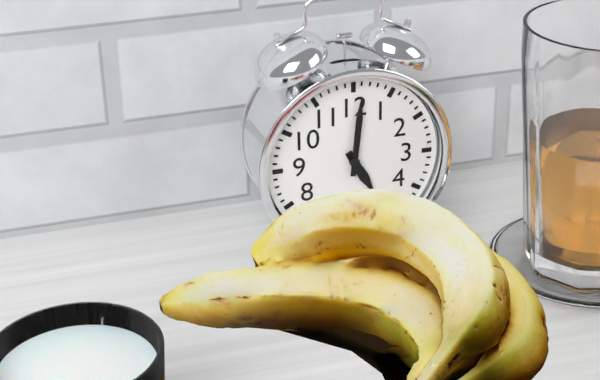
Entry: h=5 m=1
